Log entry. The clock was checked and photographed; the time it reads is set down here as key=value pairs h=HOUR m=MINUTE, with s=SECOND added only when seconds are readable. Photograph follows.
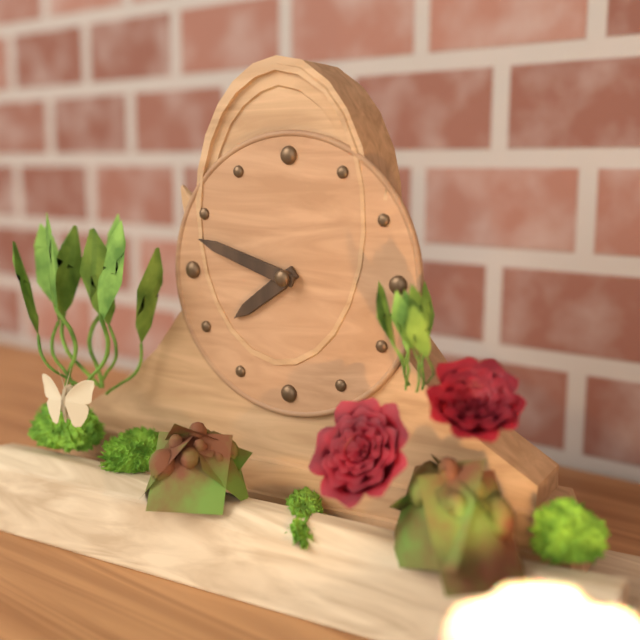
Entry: h=7 m=48
